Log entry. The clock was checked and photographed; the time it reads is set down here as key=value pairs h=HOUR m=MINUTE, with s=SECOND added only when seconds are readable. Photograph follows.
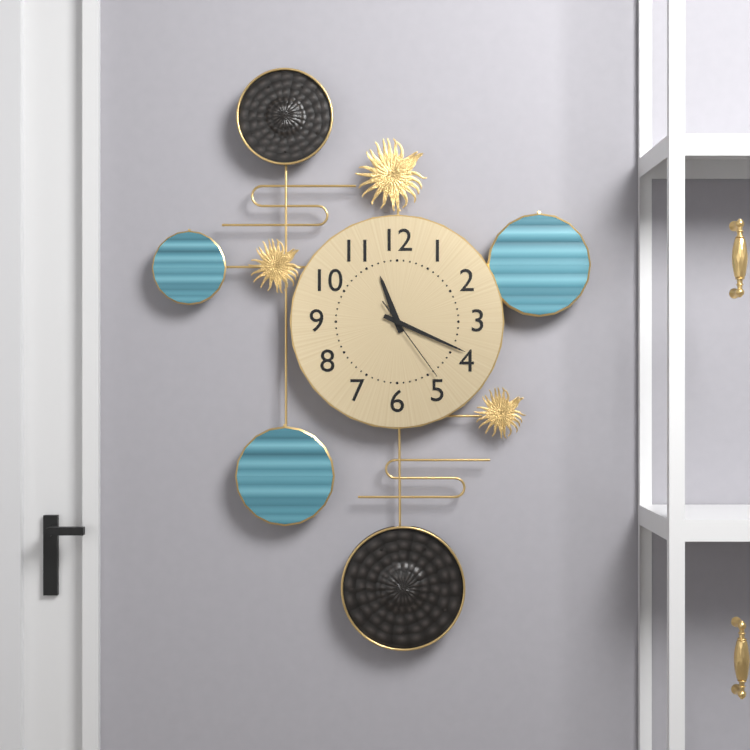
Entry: h=11 m=19 s=24
